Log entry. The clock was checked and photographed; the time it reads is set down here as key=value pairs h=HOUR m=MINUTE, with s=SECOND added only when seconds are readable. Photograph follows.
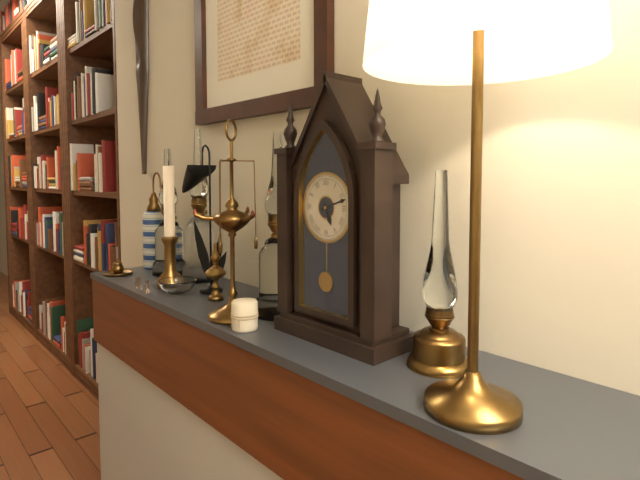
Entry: h=5 m=12
